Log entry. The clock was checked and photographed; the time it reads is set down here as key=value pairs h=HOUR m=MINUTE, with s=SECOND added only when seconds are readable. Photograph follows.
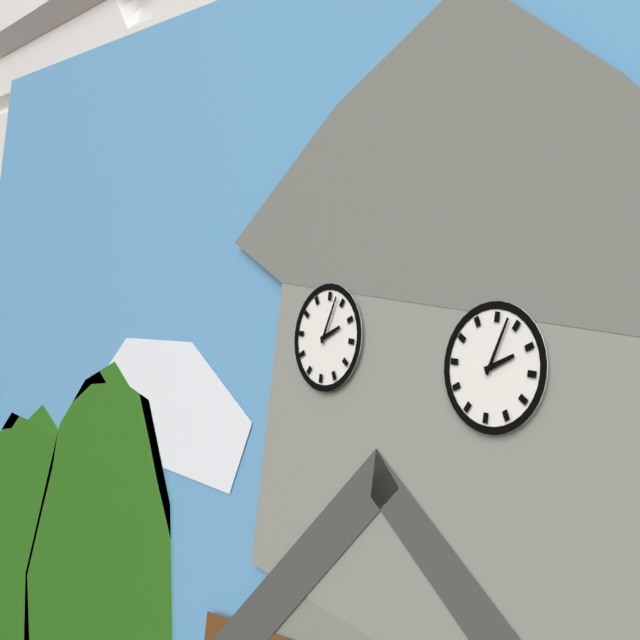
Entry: h=2 m=3
